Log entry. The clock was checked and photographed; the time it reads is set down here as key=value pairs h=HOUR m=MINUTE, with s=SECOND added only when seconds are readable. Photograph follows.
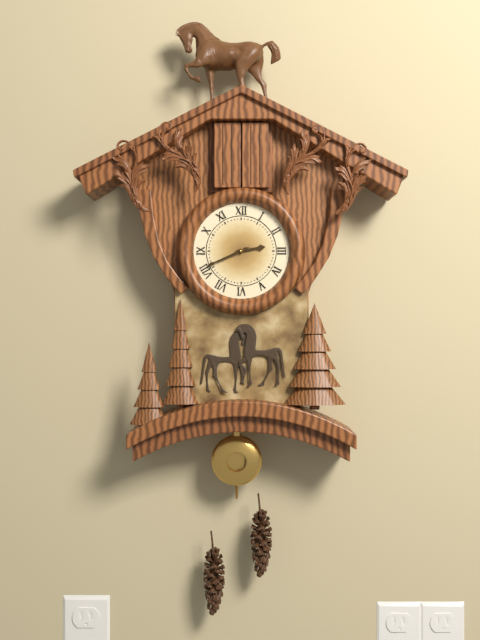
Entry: h=2 m=41
